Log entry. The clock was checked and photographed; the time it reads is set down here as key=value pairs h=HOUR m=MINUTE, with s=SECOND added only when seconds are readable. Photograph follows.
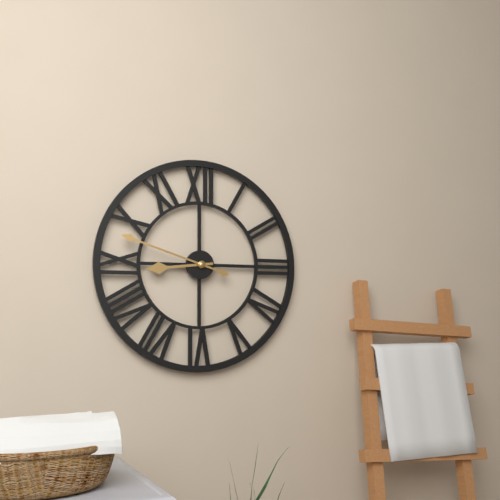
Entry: h=8 m=48
